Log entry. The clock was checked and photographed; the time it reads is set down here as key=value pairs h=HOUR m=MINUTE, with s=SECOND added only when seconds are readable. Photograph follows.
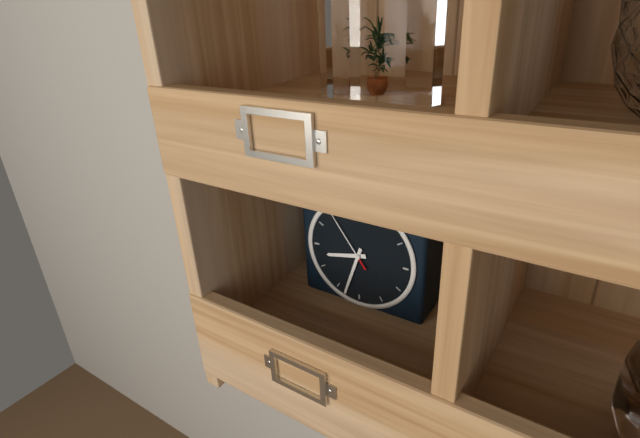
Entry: h=8 m=33 s=54
